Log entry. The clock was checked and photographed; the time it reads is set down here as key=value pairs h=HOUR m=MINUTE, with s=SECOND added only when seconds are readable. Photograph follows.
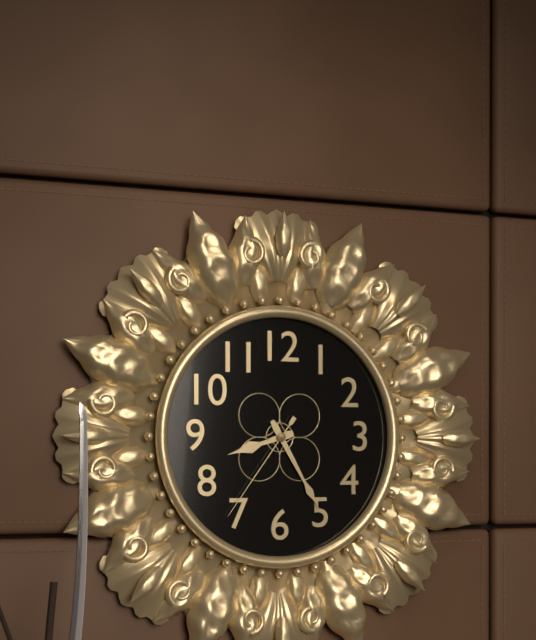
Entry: h=8 m=25 s=36
